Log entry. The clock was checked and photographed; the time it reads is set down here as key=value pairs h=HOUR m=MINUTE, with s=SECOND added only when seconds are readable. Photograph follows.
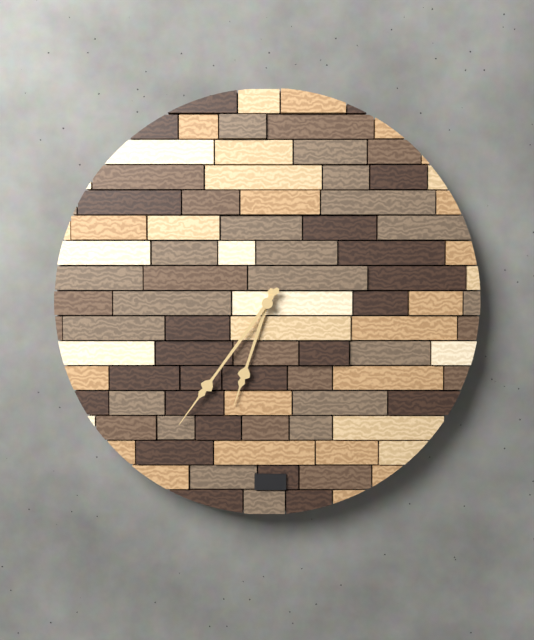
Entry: h=6 m=36
